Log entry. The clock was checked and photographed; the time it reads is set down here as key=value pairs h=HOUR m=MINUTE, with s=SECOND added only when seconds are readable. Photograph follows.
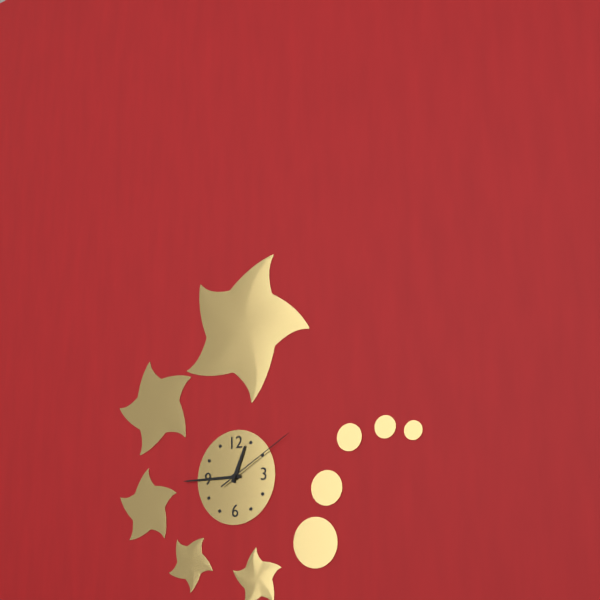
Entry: h=12 m=45 s=10
